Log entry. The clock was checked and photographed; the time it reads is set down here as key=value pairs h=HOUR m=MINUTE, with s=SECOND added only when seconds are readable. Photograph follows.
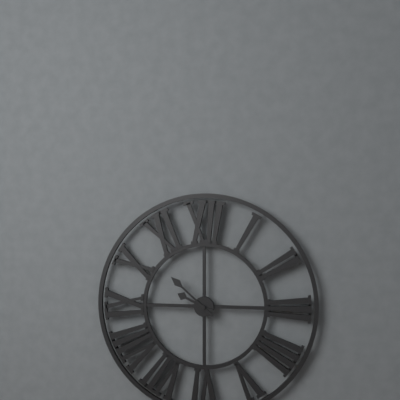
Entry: h=9 m=52
